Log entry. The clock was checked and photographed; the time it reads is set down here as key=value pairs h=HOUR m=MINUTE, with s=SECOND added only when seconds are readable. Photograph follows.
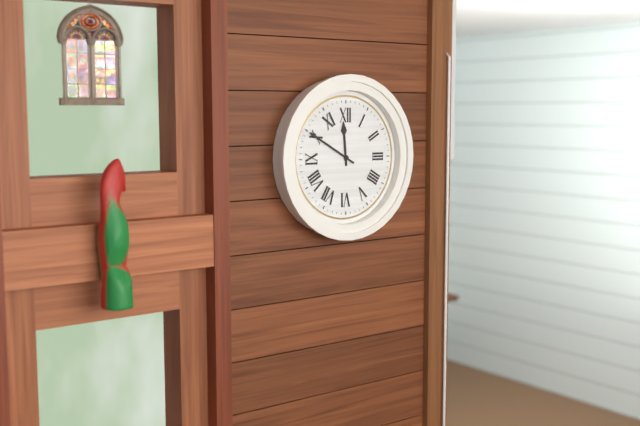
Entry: h=11 m=50
